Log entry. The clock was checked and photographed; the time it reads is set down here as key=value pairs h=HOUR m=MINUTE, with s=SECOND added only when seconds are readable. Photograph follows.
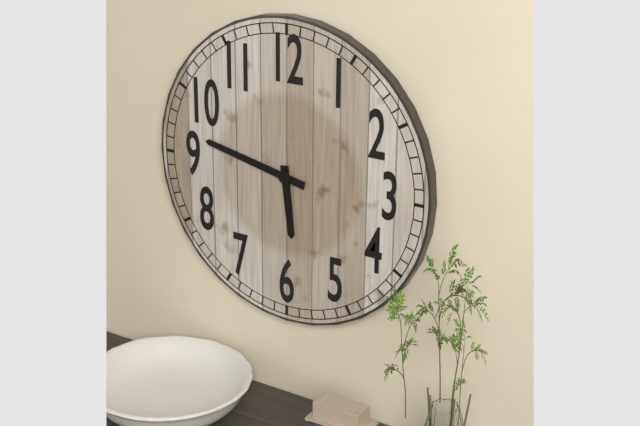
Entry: h=5 m=47
